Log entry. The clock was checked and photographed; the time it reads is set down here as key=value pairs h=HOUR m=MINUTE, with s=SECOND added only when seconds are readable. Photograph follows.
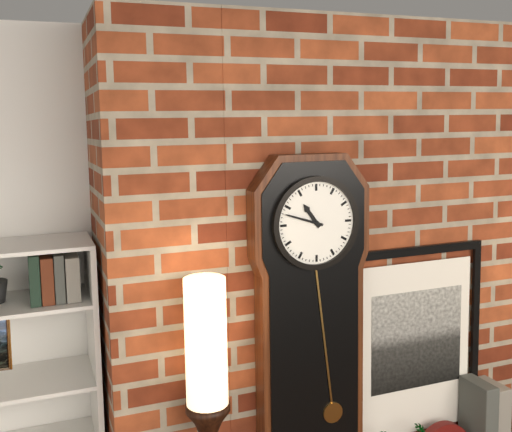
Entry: h=10 m=48
